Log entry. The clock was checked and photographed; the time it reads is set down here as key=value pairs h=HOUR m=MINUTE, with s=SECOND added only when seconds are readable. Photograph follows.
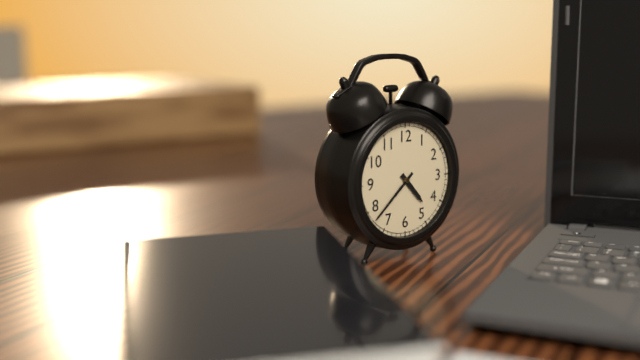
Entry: h=4 m=38
